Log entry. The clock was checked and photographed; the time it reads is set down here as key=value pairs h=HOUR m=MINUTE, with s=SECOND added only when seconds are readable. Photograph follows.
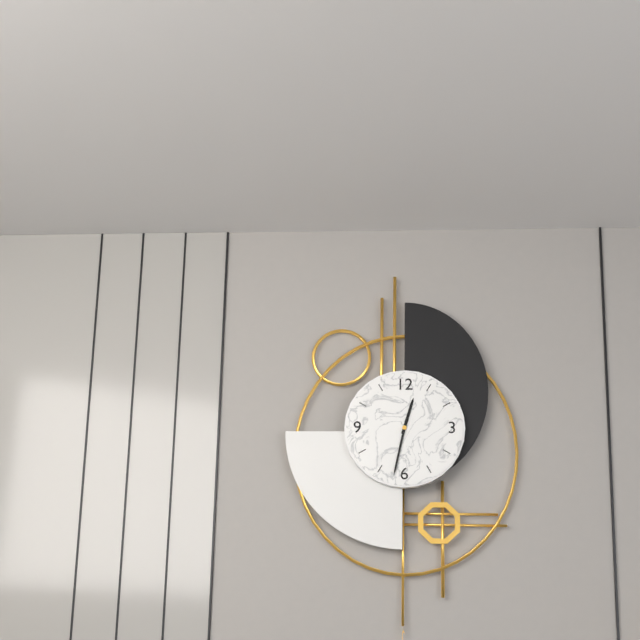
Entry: h=12 m=32
